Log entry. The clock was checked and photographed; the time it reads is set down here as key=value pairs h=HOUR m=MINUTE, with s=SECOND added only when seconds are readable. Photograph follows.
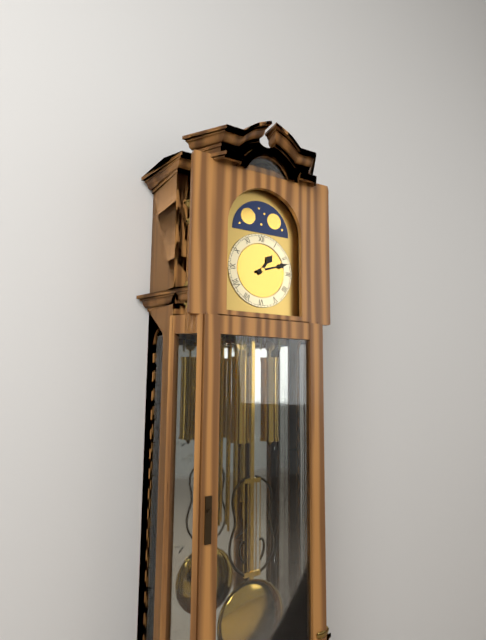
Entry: h=1 m=12
